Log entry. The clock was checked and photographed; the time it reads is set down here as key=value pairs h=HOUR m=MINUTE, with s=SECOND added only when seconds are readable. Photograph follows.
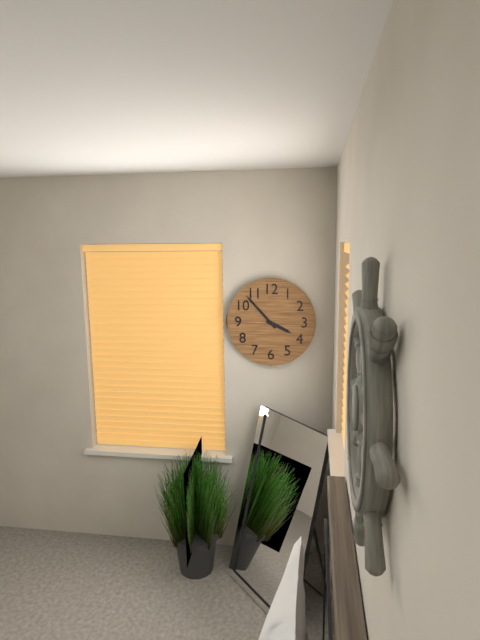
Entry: h=3 m=53
